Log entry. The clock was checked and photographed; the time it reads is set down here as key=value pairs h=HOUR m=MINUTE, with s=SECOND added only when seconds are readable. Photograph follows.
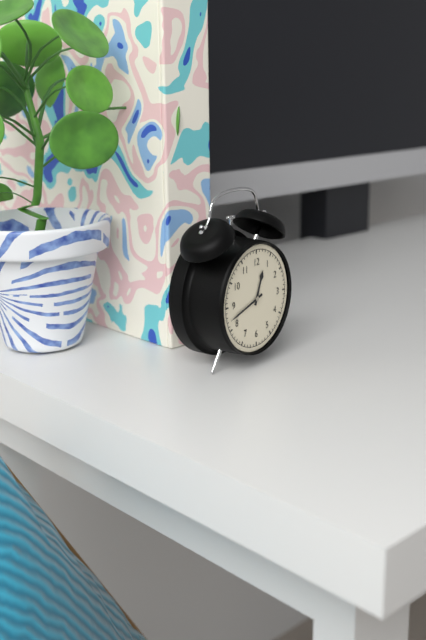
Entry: h=12 m=42
